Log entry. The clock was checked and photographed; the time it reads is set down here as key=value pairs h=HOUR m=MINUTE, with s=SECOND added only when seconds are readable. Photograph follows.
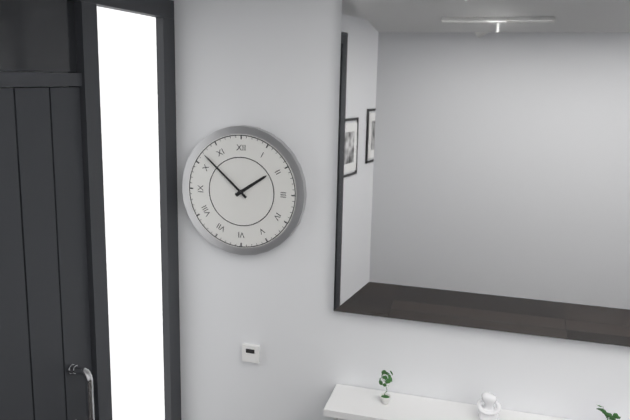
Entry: h=1 m=52
